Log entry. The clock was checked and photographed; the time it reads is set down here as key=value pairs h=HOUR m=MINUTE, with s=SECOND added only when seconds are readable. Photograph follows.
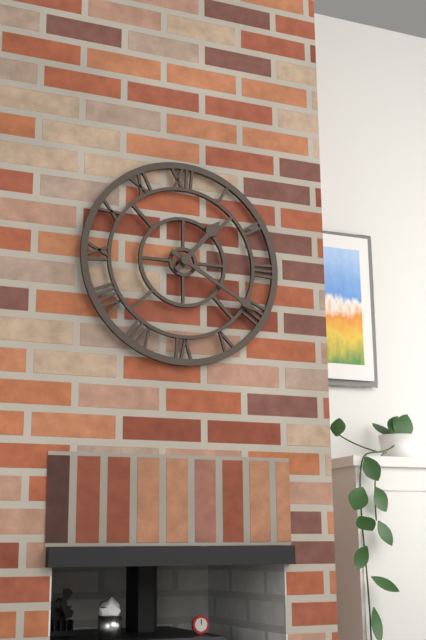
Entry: h=1 m=20
